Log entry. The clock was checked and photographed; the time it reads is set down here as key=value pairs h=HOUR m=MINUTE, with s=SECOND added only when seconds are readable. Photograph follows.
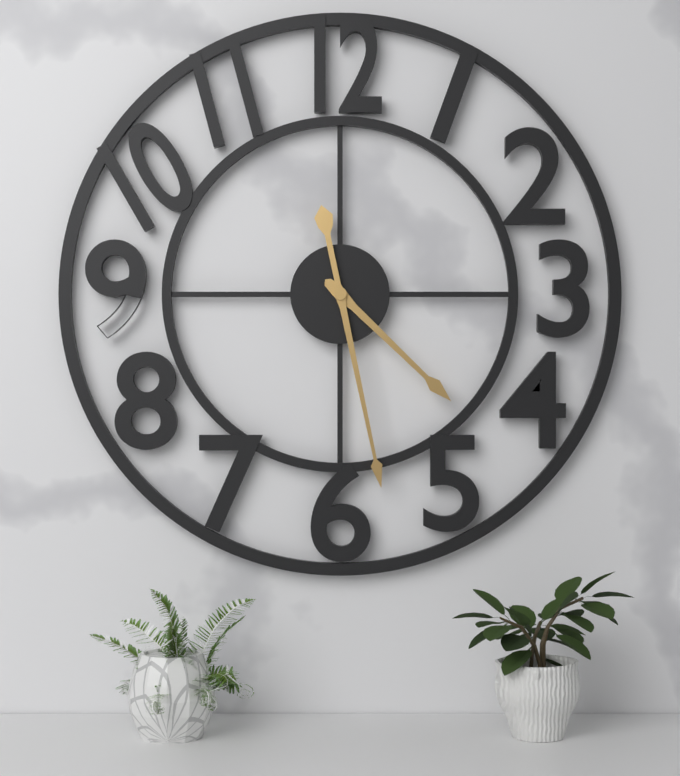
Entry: h=4 m=28
